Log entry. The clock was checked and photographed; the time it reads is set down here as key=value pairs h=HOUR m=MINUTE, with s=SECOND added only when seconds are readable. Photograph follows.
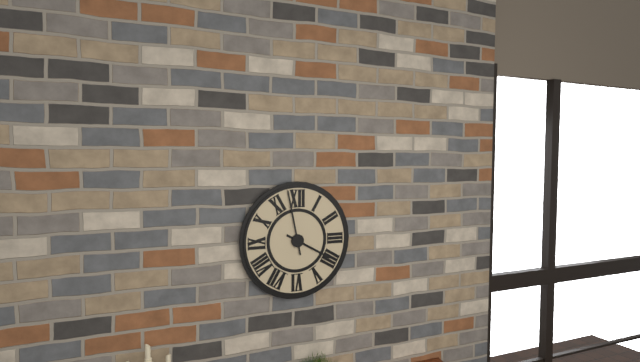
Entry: h=3 m=58
